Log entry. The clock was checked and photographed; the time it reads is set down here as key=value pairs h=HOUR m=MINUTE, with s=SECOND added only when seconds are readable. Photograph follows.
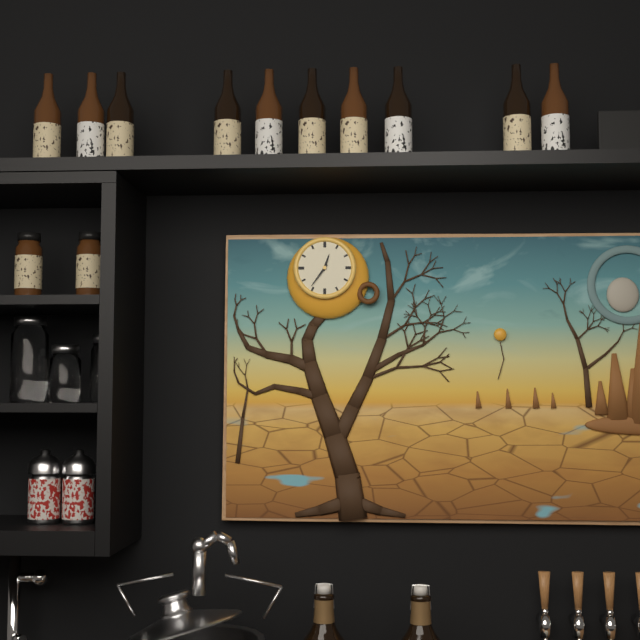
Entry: h=12 m=36
